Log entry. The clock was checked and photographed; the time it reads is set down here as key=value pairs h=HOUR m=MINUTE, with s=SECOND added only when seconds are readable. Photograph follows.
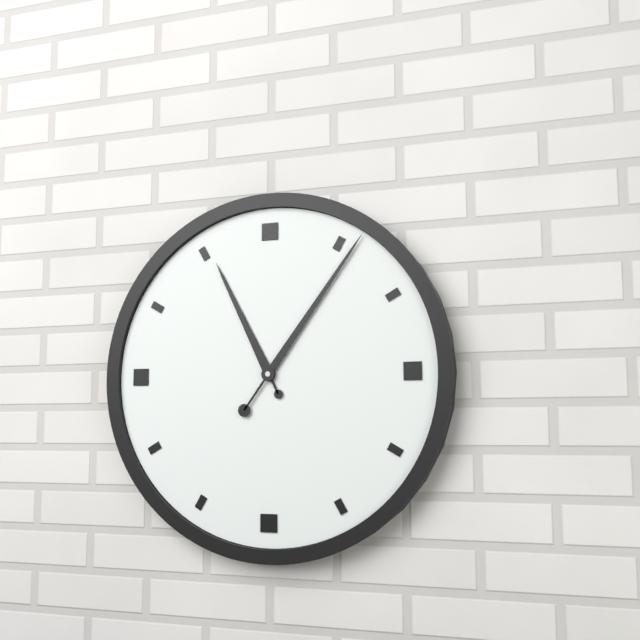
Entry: h=11 m=6
